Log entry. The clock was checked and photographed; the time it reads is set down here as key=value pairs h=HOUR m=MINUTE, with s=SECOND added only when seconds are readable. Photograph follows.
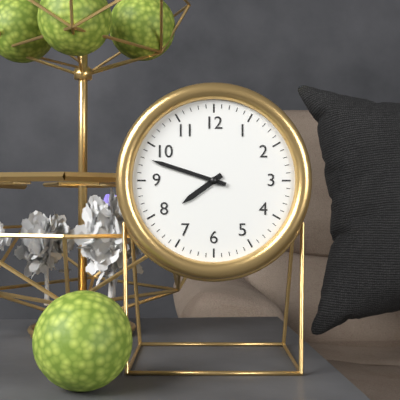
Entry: h=7 m=48
